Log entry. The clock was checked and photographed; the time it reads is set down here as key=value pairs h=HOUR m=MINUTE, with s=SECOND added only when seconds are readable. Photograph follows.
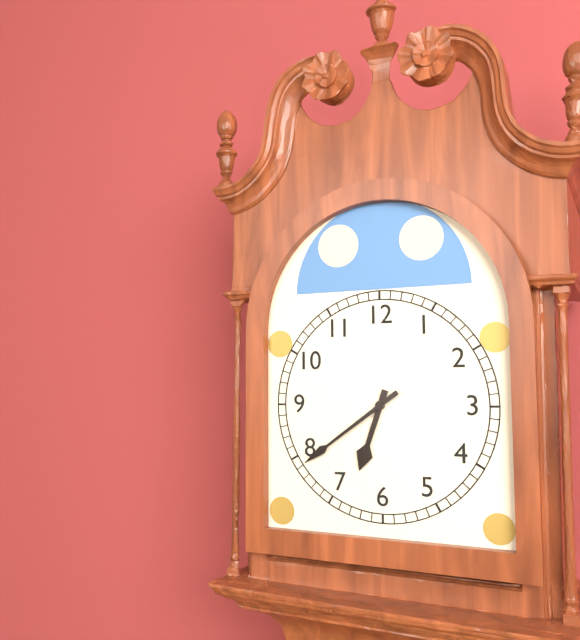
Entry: h=6 m=39
